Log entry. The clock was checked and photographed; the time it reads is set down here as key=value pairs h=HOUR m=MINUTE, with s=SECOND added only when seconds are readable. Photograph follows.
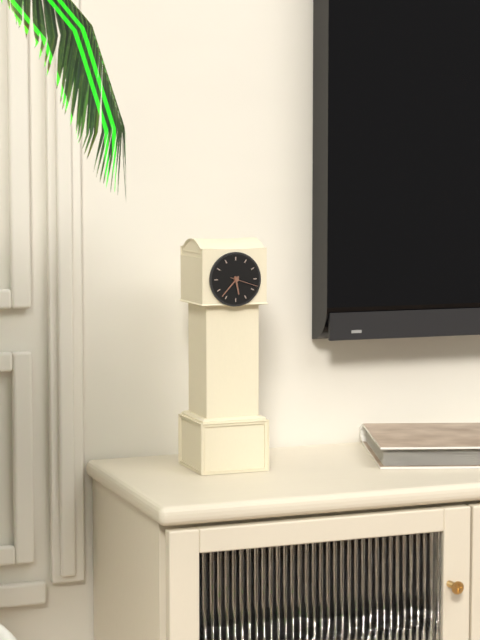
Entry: h=5 m=37
